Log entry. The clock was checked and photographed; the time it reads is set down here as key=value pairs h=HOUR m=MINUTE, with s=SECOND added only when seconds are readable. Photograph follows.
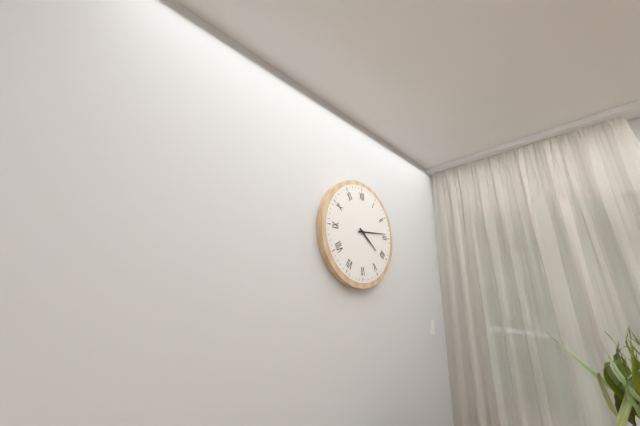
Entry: h=4 m=14
